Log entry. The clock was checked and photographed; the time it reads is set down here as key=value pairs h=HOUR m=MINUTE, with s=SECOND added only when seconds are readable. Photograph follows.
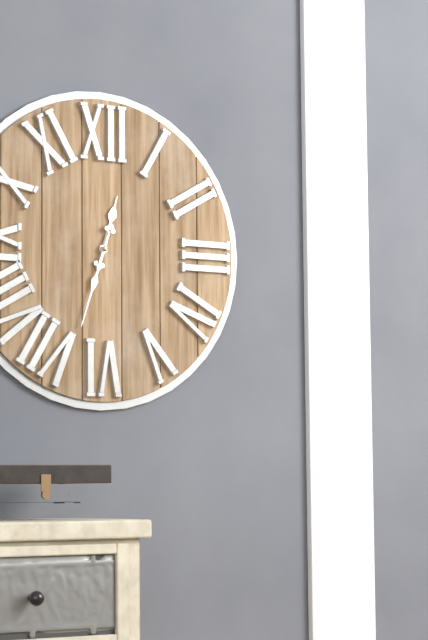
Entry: h=12 m=33
